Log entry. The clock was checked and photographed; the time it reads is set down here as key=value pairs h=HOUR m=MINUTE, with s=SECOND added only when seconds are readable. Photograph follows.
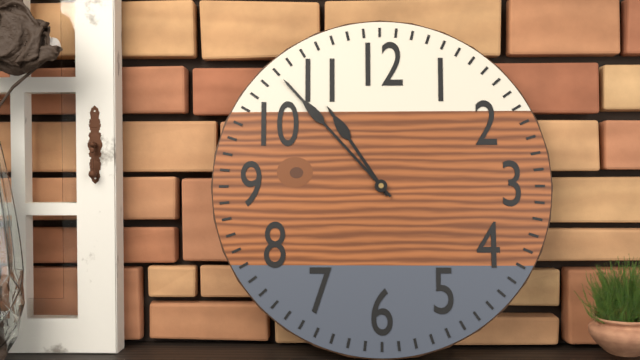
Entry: h=10 m=53
